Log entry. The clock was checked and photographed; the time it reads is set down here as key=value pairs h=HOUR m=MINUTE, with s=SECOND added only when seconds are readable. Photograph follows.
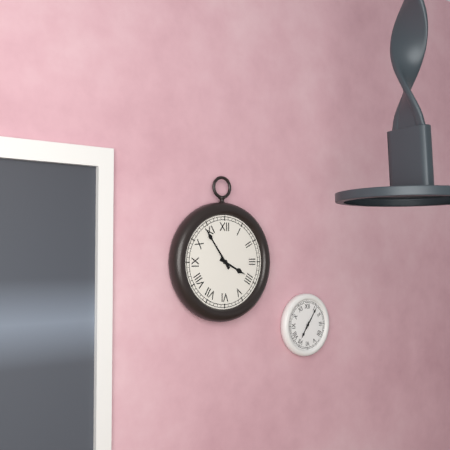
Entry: h=3 m=54
